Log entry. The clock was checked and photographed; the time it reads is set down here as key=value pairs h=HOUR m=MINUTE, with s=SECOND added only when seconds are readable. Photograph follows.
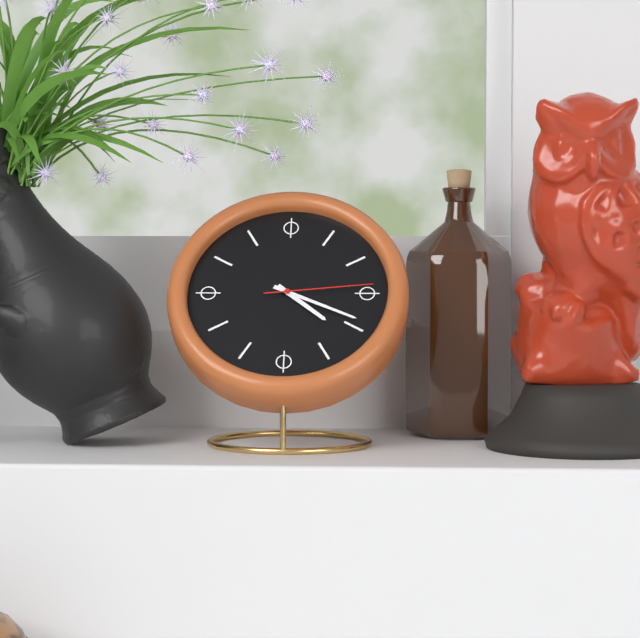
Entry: h=4 m=19 s=14
